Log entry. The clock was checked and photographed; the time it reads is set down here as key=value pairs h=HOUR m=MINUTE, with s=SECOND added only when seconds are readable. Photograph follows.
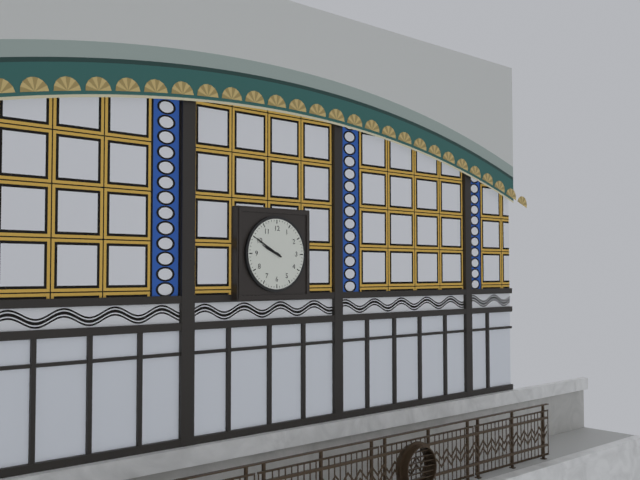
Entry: h=9 m=50
